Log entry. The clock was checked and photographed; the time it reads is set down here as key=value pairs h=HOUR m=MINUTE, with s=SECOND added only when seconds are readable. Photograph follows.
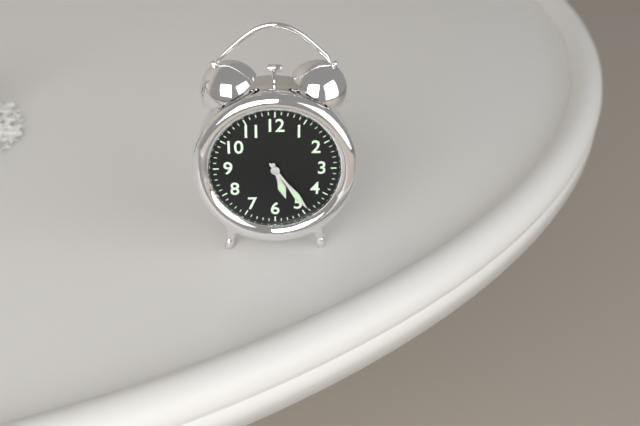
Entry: h=5 m=24
